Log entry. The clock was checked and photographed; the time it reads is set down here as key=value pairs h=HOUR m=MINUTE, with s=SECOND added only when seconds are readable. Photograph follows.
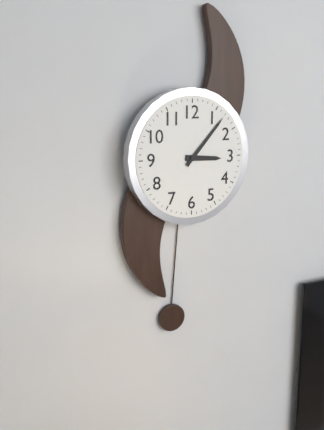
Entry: h=3 m=7
